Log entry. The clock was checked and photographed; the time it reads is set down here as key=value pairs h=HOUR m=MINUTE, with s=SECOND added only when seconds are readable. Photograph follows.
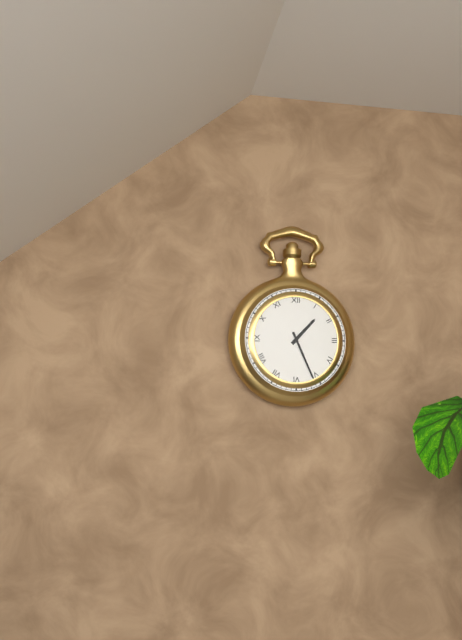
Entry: h=1 m=26
